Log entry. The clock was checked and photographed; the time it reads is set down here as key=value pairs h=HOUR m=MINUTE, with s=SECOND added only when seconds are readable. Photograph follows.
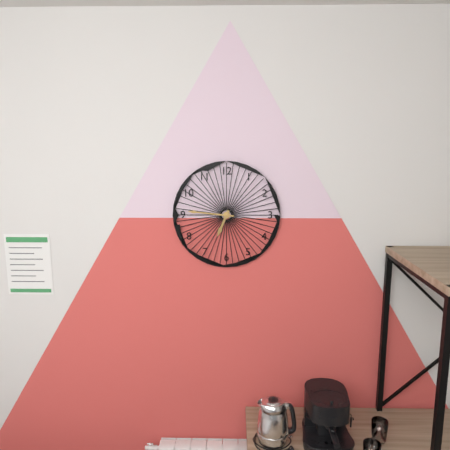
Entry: h=6 m=46
